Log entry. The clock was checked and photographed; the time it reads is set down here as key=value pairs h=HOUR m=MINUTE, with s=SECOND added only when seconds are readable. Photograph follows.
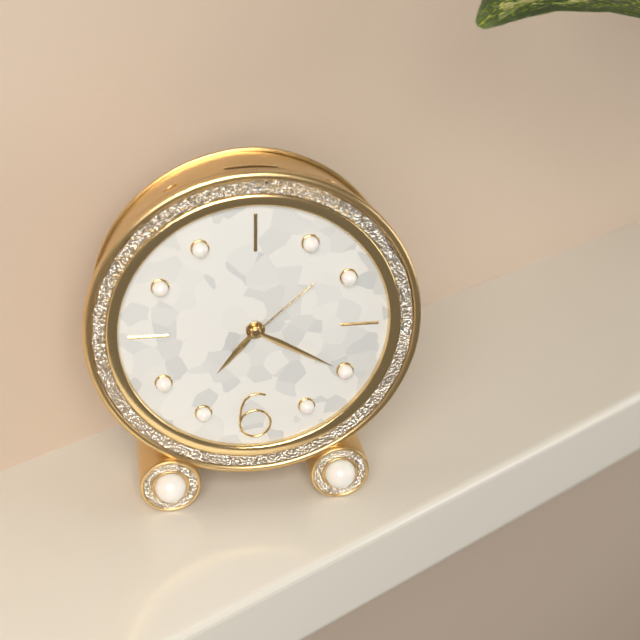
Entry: h=7 m=20 s=8
